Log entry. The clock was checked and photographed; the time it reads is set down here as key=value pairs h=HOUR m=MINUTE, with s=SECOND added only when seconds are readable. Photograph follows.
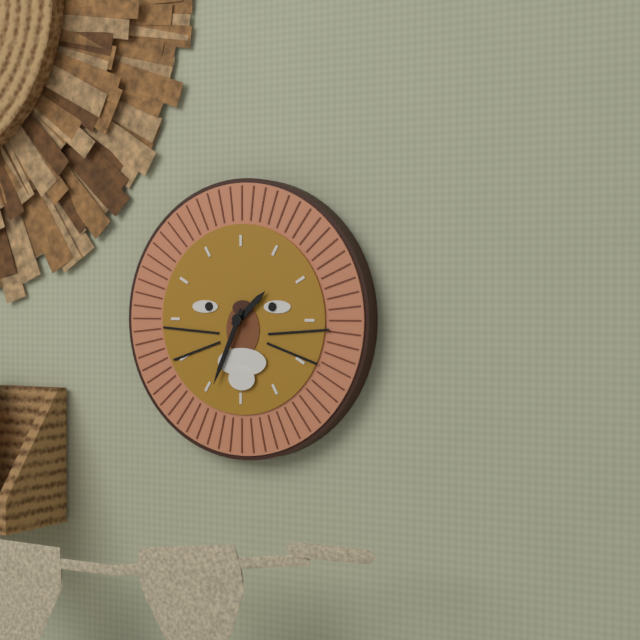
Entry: h=1 m=34
